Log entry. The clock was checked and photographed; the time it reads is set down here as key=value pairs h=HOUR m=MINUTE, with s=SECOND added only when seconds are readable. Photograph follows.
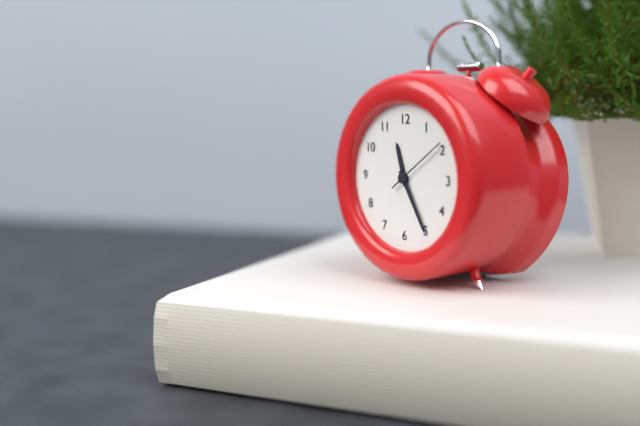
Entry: h=11 m=25 s=9
